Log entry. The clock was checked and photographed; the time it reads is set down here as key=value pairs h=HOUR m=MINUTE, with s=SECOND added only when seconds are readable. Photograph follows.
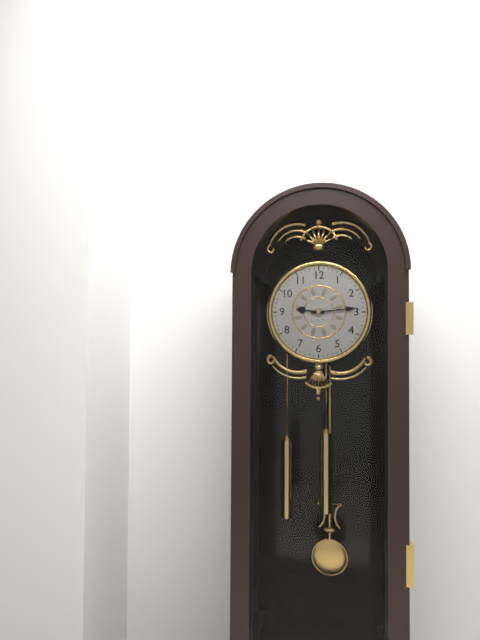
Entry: h=9 m=14
